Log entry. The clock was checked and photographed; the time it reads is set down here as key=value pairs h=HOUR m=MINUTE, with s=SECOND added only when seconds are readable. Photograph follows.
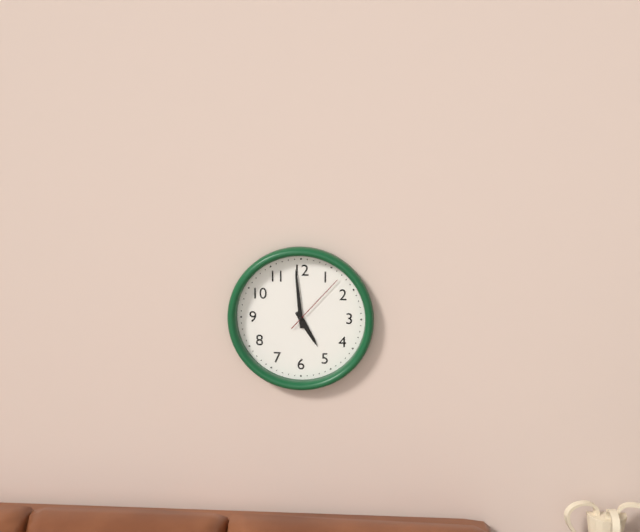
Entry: h=4 m=59 s=7
